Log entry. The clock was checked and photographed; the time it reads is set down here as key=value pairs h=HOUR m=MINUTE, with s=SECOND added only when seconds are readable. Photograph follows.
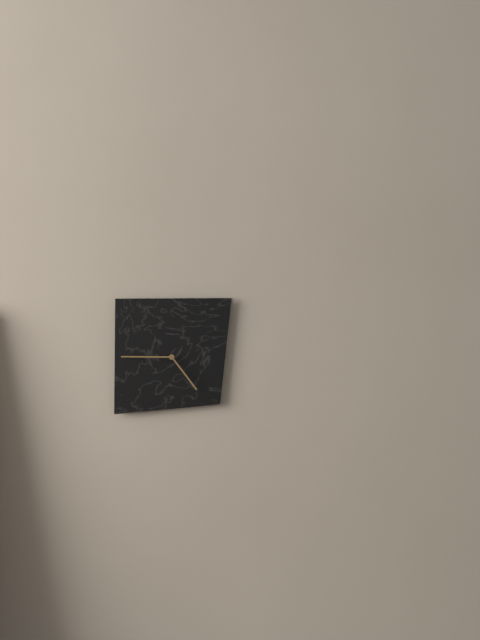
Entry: h=4 m=45
